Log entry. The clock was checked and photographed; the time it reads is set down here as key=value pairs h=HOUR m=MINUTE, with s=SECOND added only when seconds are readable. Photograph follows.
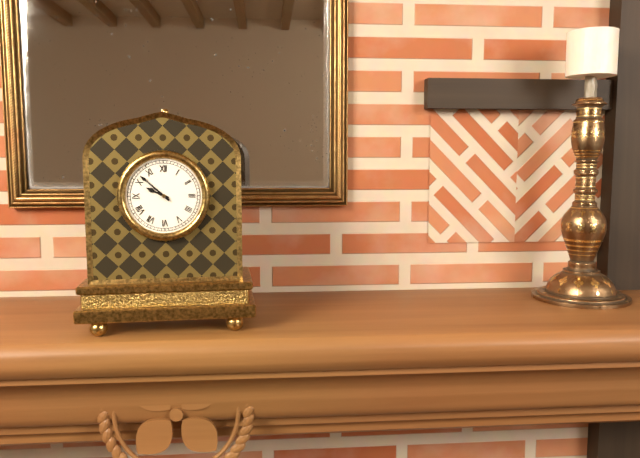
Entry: h=9 m=52
